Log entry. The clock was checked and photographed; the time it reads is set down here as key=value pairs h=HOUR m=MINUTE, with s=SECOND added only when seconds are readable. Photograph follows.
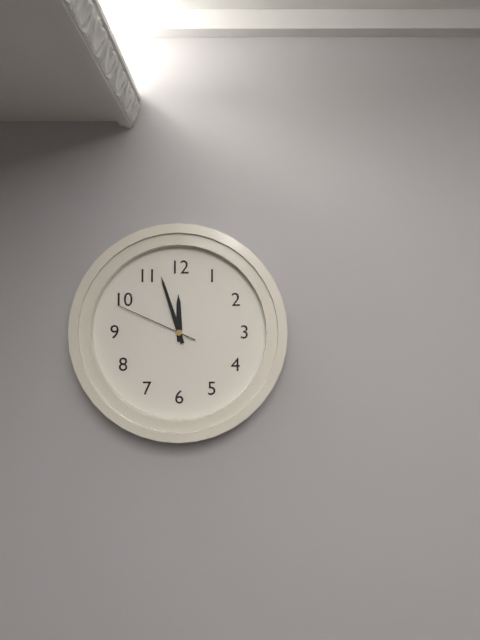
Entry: h=11 m=57 s=49
